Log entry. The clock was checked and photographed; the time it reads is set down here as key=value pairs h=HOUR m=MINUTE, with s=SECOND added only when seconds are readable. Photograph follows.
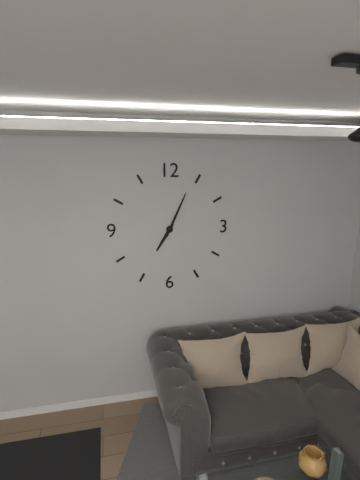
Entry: h=7 m=4
